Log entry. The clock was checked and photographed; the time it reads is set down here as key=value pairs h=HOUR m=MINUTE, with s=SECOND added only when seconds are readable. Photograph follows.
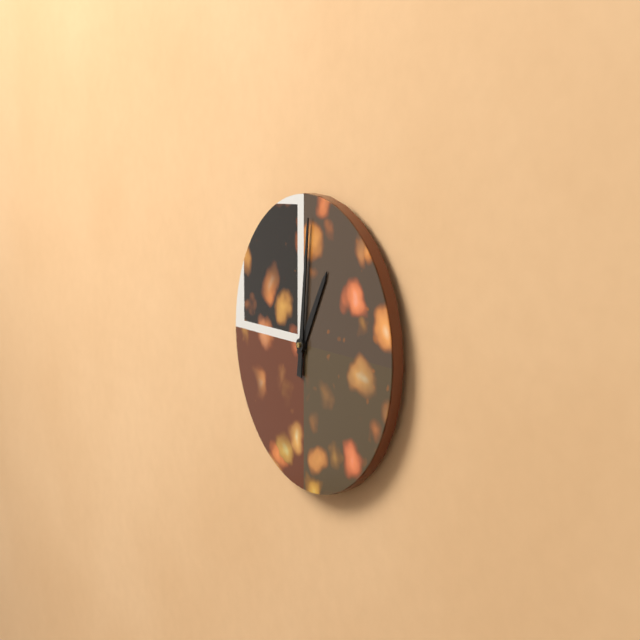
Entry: h=1 m=1
